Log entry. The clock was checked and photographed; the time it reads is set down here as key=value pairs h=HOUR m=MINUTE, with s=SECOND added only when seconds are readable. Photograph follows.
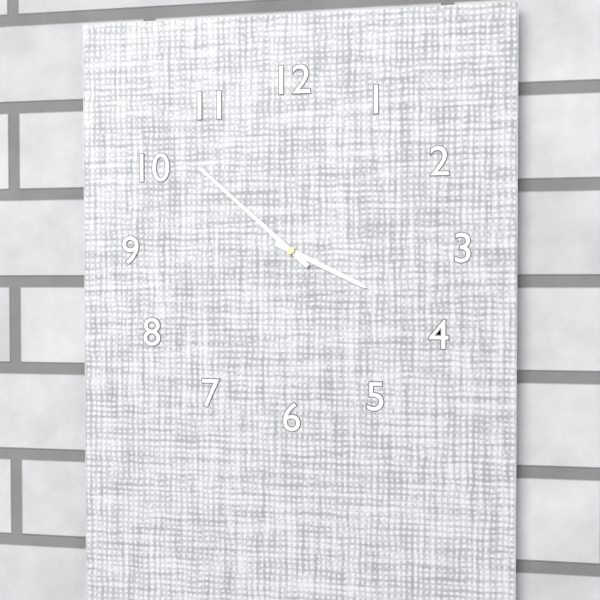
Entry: h=3 m=52
